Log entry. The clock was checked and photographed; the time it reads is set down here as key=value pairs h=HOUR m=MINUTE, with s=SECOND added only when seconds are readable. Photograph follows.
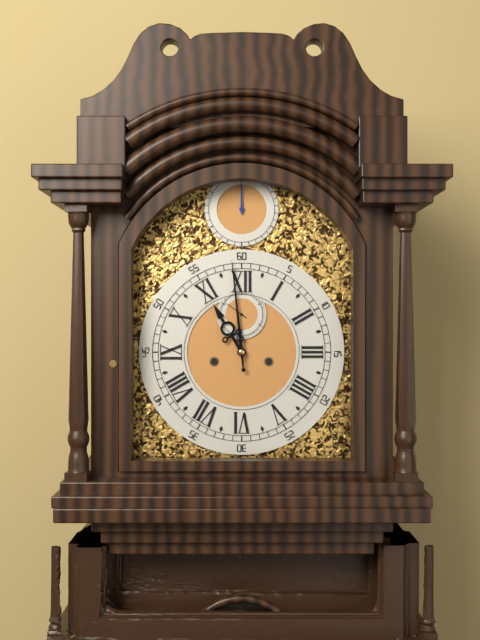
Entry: h=10 m=59
